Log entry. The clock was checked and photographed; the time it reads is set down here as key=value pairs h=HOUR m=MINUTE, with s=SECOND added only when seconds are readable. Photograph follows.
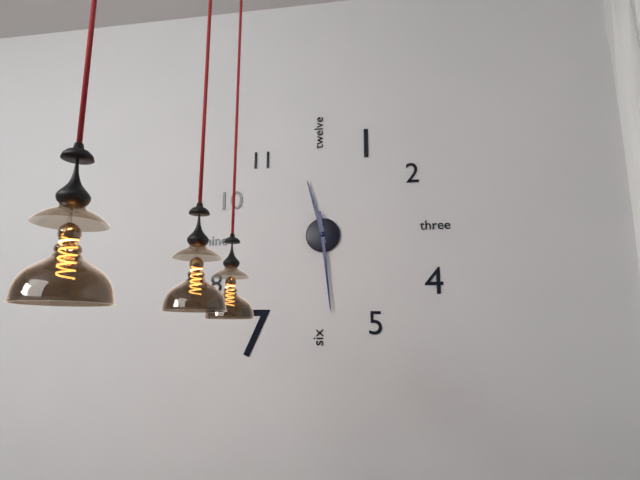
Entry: h=11 m=29
